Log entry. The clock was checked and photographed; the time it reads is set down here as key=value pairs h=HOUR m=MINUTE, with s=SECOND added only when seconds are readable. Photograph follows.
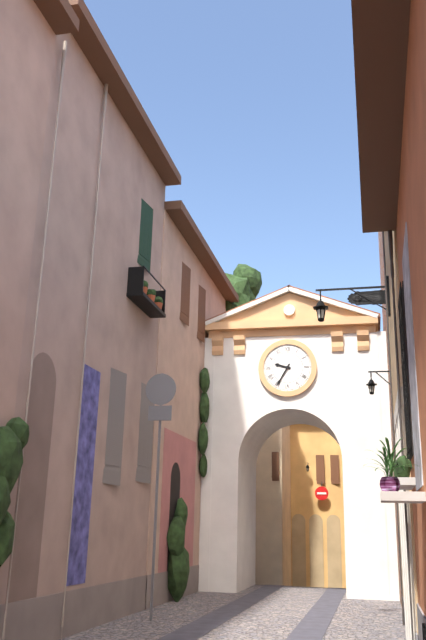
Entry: h=9 m=35
